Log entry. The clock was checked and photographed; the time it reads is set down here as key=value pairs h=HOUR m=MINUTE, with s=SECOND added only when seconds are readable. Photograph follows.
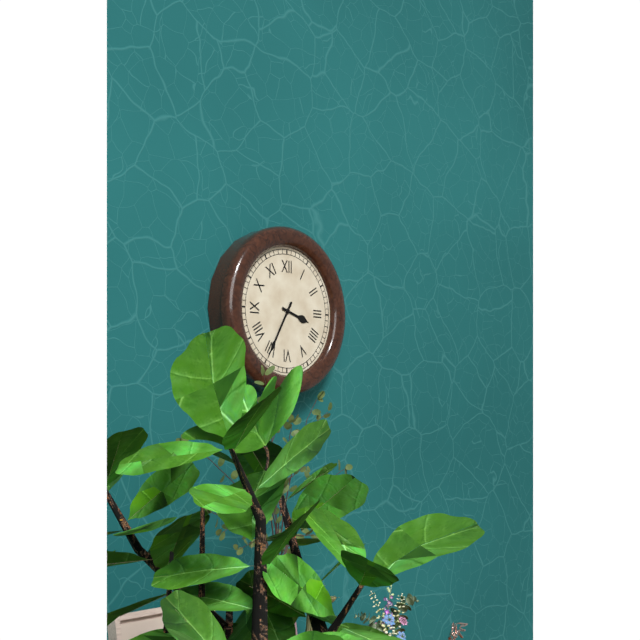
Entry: h=3 m=35
